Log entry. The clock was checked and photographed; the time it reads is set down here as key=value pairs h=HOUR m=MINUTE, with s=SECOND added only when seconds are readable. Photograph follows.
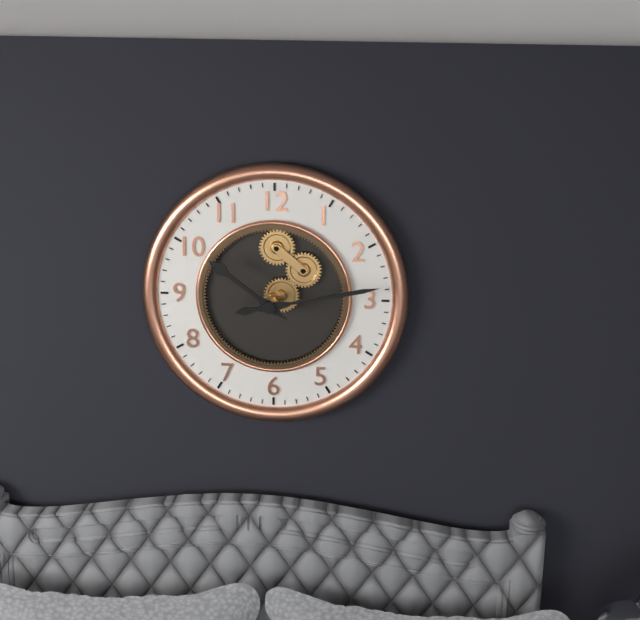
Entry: h=10 m=13
